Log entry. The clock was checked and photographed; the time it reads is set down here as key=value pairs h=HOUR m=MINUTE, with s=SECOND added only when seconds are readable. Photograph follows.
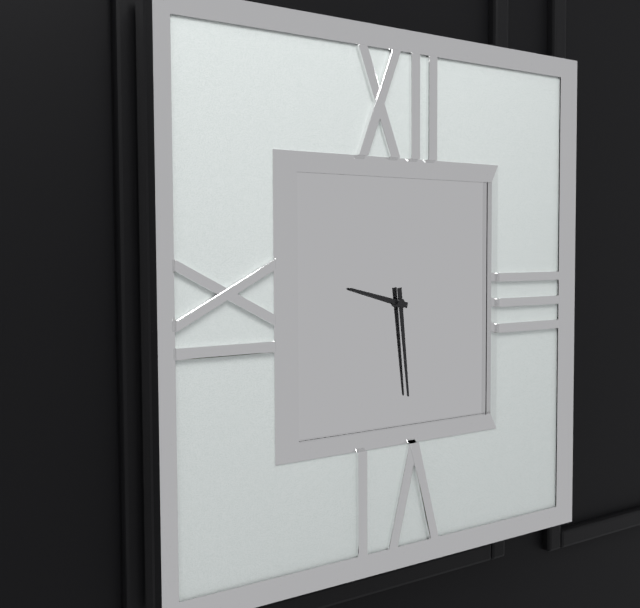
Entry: h=9 m=29
